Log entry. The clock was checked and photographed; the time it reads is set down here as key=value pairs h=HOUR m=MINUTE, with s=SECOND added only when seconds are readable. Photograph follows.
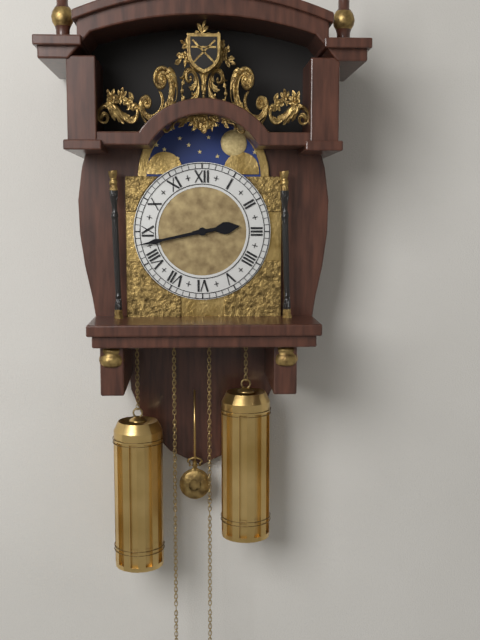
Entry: h=2 m=43
